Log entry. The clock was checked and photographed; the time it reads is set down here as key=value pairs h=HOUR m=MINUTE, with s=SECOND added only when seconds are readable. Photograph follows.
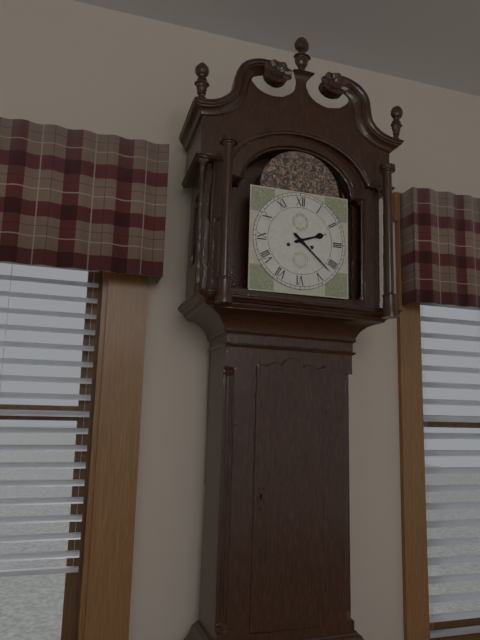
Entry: h=2 m=22
